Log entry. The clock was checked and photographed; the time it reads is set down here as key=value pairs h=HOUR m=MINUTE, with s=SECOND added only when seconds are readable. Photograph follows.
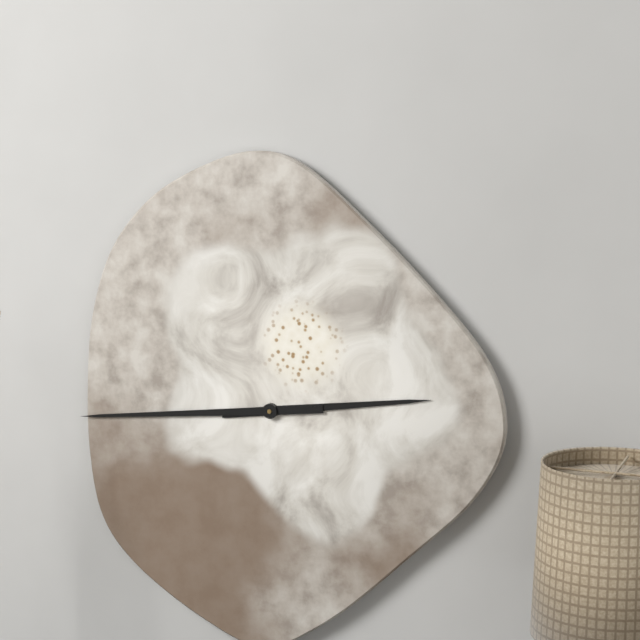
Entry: h=2 m=44
